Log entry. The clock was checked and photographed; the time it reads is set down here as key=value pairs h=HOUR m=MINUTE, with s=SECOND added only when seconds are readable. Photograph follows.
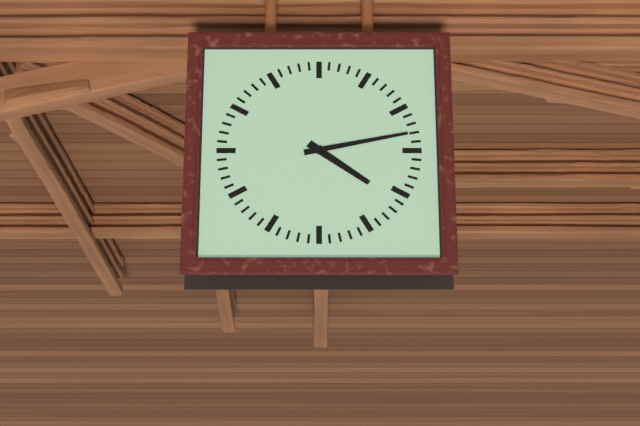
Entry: h=4 m=13
